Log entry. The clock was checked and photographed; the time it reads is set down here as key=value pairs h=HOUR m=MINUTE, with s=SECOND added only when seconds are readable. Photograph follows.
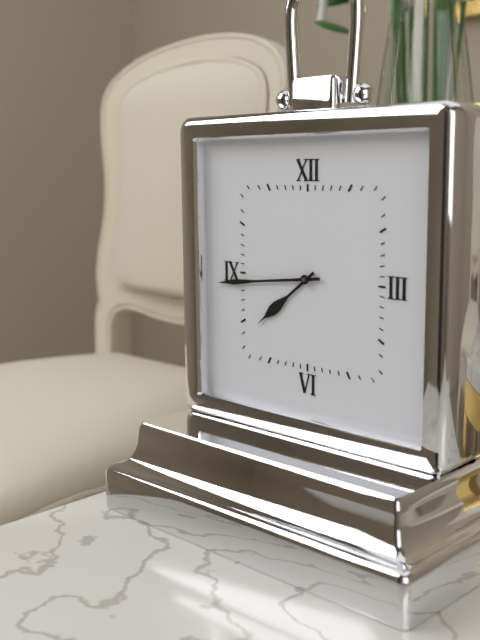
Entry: h=7 m=44
